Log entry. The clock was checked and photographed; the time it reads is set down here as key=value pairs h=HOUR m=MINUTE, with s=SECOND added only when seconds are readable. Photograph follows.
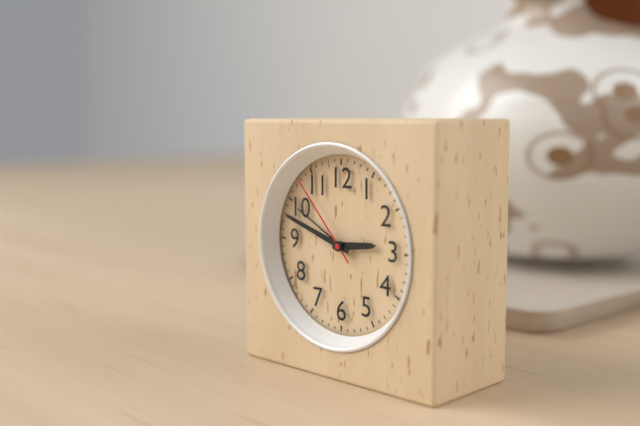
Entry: h=2 m=48 s=53
